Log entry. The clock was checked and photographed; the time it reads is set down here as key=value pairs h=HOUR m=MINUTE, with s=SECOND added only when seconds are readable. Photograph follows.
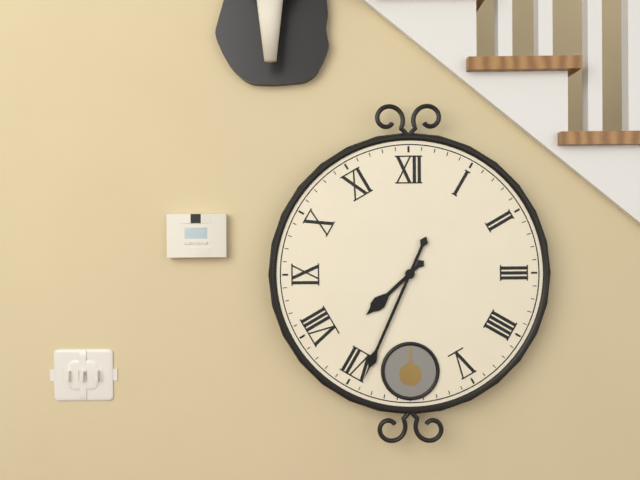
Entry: h=7 m=34
